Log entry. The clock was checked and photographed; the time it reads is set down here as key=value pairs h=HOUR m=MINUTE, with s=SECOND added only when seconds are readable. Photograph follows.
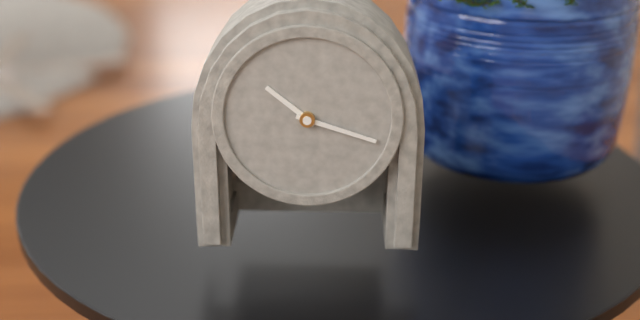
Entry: h=10 m=18
